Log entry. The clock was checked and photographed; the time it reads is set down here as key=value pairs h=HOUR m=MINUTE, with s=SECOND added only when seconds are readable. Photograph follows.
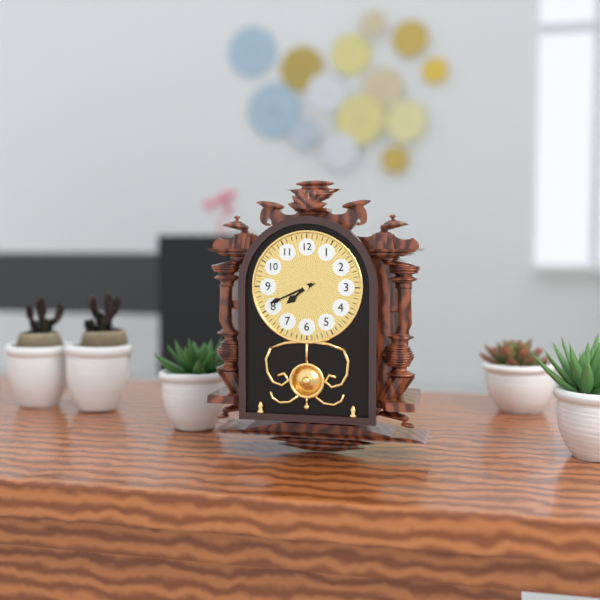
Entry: h=7 m=41
